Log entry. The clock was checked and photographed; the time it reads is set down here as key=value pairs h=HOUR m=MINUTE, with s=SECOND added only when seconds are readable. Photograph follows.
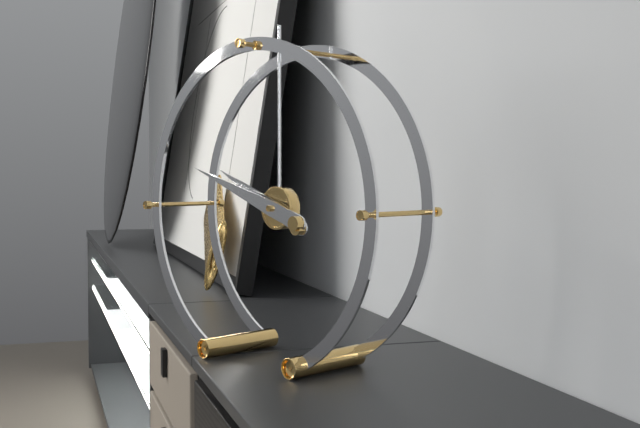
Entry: h=9 m=48
